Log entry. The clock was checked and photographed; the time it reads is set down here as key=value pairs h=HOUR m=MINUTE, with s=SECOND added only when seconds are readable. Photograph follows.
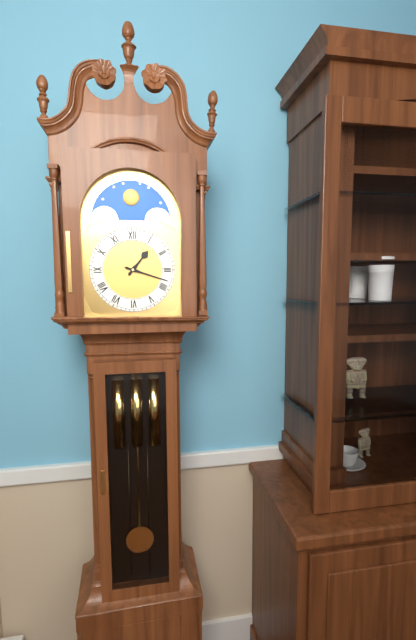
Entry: h=1 m=18
